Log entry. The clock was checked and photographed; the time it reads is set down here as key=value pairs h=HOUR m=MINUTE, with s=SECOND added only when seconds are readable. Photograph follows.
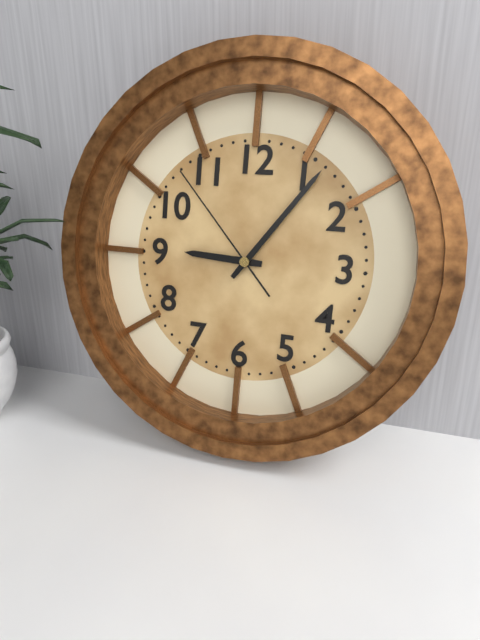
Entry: h=9 m=6 s=53
